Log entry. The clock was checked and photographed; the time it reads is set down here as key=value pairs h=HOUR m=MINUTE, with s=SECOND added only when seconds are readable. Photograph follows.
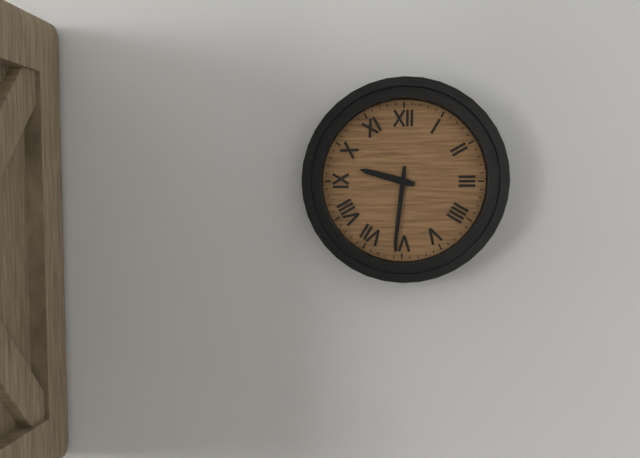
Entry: h=9 m=31
